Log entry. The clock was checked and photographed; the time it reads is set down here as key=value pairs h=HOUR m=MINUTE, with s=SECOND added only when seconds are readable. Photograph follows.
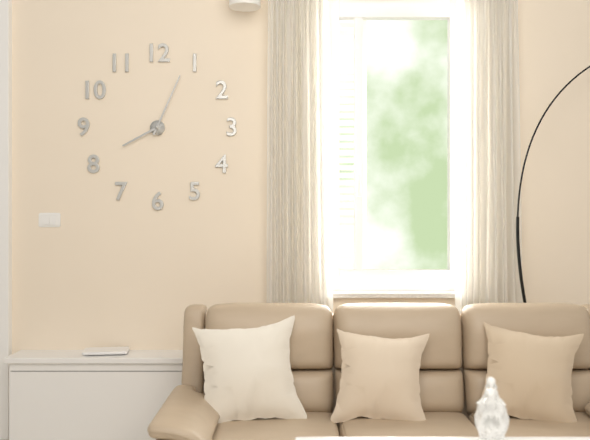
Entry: h=8 m=4
